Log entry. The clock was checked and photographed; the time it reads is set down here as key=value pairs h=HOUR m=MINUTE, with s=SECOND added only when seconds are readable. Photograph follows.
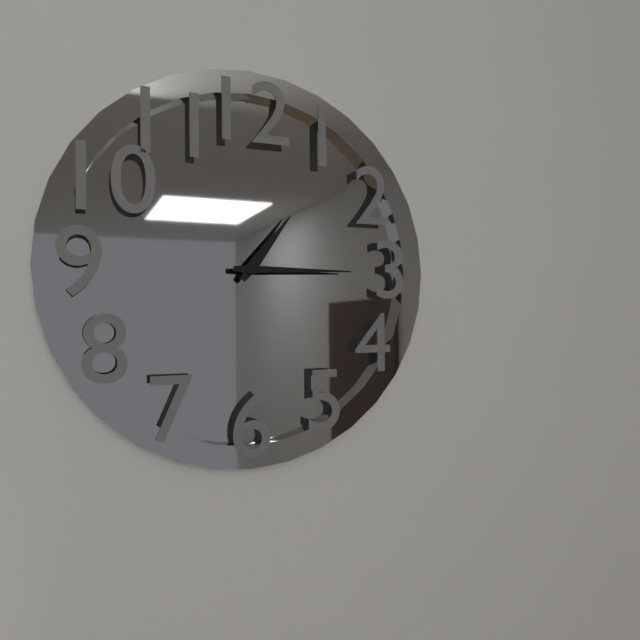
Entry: h=1 m=15
